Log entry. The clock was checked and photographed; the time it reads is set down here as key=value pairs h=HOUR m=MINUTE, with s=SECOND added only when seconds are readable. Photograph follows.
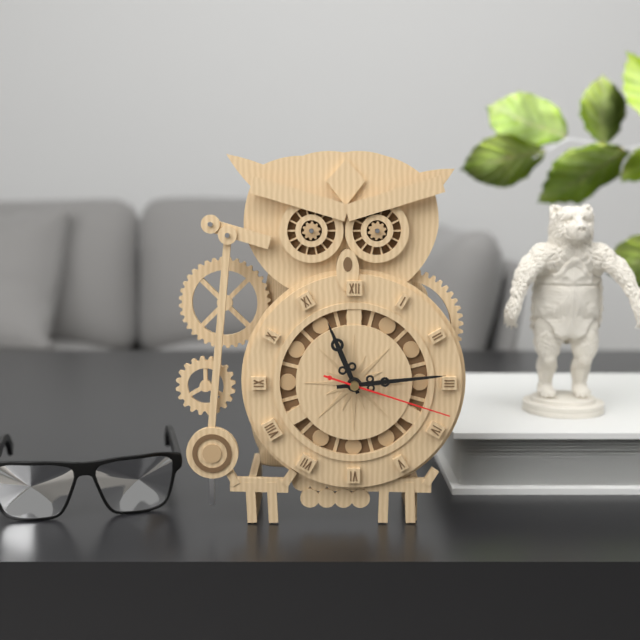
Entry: h=11 m=14 s=18
